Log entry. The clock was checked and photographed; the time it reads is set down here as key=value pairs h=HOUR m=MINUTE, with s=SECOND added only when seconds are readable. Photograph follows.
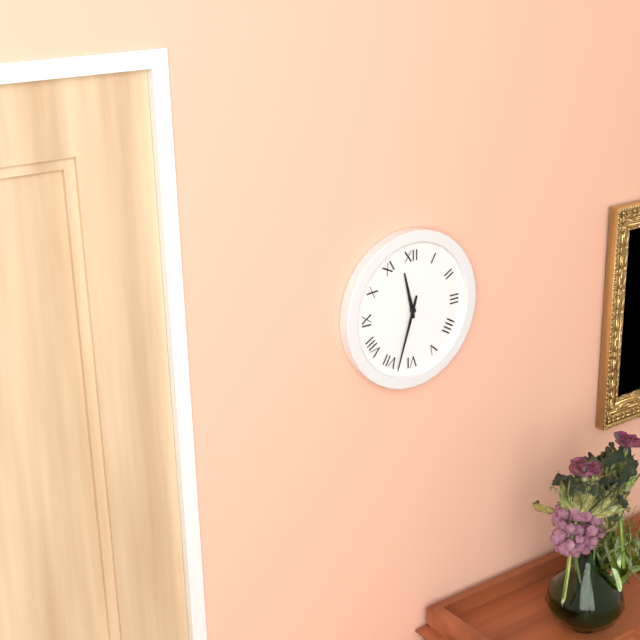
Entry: h=11 m=33
